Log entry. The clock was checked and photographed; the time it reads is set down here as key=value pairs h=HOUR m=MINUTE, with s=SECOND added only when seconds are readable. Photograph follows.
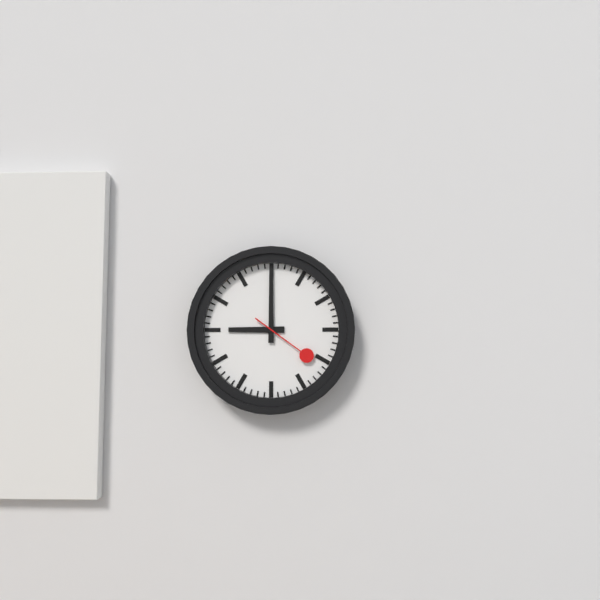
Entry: h=9 m=0 s=21
